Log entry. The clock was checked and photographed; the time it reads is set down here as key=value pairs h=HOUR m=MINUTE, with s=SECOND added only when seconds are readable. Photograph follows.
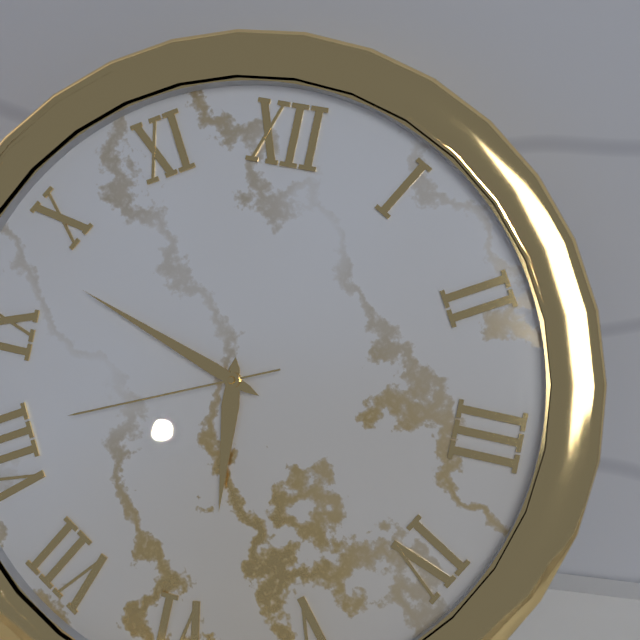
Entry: h=5 m=48 s=41
